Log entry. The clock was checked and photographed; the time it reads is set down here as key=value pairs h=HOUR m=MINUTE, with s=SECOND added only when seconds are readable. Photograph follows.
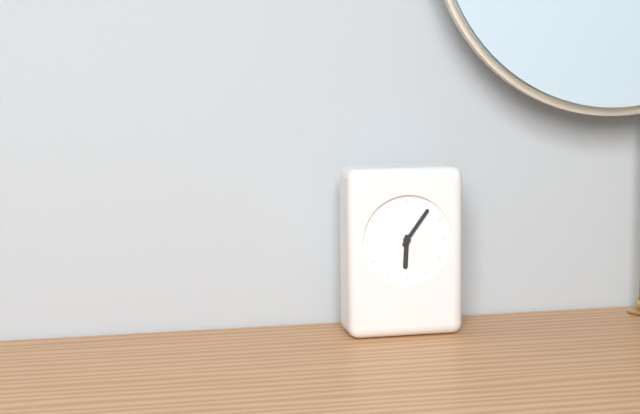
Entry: h=6 m=6
